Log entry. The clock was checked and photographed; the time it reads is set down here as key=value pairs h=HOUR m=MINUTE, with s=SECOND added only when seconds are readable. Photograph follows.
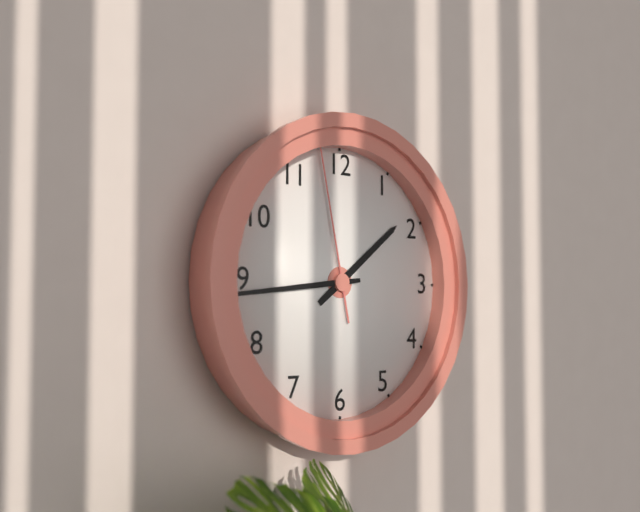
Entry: h=1 m=44 s=58
